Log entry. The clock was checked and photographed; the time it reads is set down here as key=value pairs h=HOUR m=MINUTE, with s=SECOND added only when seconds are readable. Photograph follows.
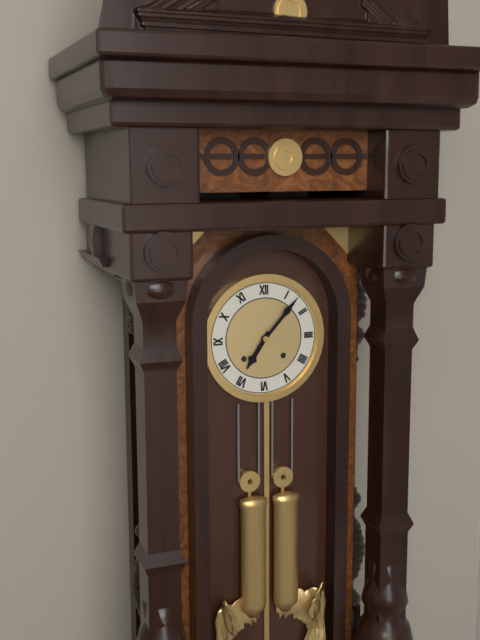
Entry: h=7 m=7
